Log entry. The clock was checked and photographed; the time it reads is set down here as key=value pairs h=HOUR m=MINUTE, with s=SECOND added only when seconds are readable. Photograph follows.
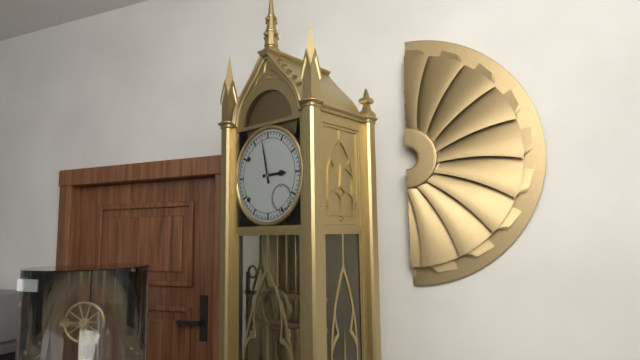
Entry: h=2 m=58
